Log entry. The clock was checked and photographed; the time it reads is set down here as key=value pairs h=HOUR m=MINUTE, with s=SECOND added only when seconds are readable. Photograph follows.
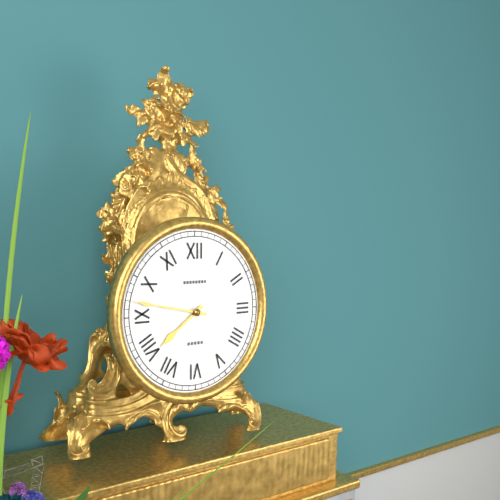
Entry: h=7 m=47
